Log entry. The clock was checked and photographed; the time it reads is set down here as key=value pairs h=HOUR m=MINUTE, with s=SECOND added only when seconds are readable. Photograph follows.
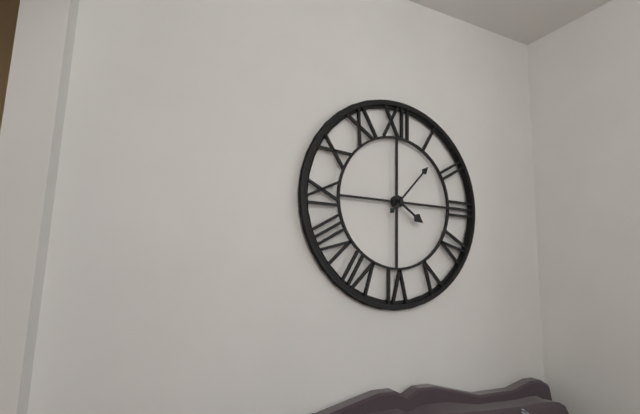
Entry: h=4 m=7
